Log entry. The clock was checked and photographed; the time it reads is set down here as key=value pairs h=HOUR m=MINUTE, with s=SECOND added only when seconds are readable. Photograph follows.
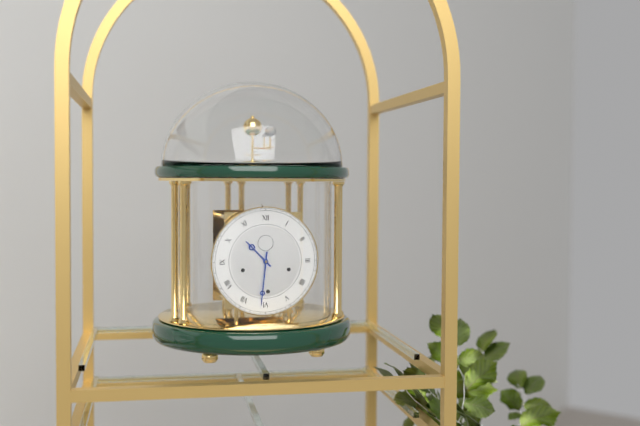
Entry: h=10 m=31
